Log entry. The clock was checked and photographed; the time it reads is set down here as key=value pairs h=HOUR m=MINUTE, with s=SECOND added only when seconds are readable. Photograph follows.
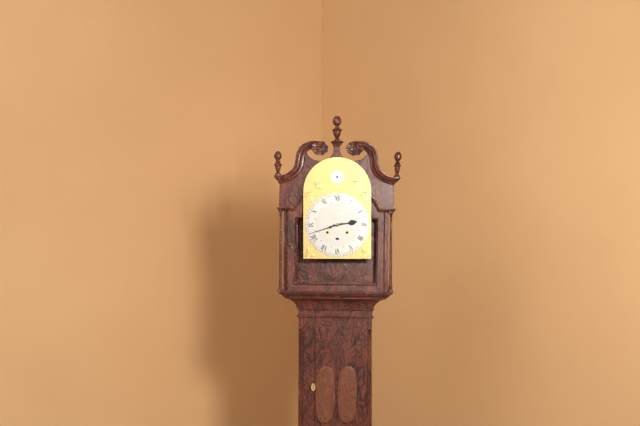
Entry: h=2 m=42
